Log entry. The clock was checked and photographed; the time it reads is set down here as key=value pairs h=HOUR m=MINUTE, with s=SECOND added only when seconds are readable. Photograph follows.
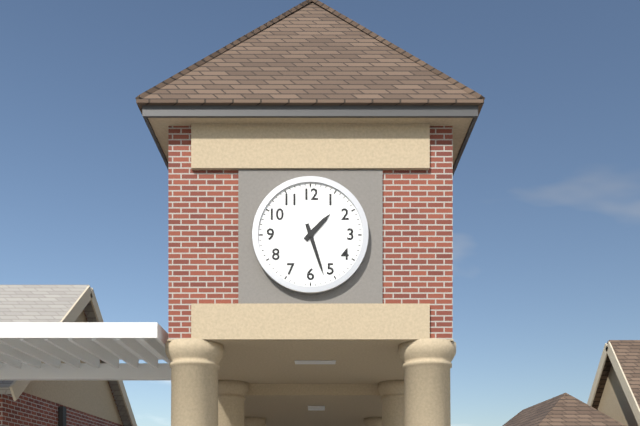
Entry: h=1 m=27
